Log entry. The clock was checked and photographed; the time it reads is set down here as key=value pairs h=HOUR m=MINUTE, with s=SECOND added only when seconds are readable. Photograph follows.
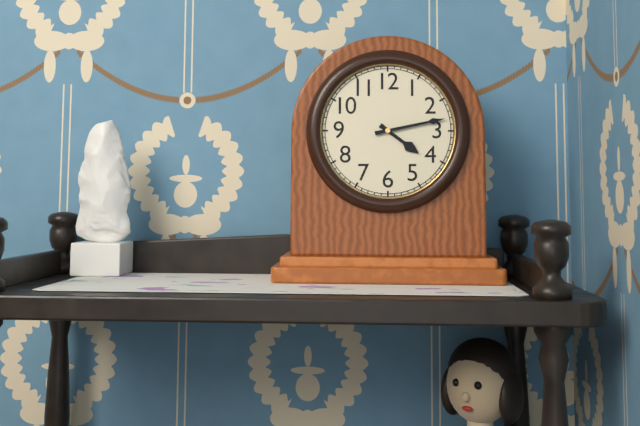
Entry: h=4 m=13
